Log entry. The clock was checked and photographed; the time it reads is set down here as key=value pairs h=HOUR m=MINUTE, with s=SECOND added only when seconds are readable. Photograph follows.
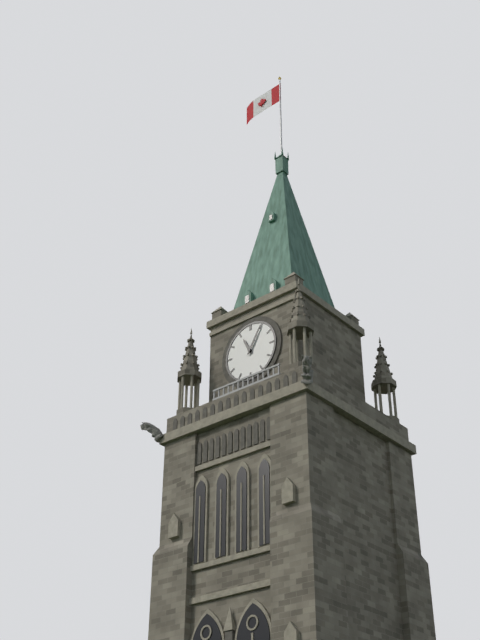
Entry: h=11 m=5
